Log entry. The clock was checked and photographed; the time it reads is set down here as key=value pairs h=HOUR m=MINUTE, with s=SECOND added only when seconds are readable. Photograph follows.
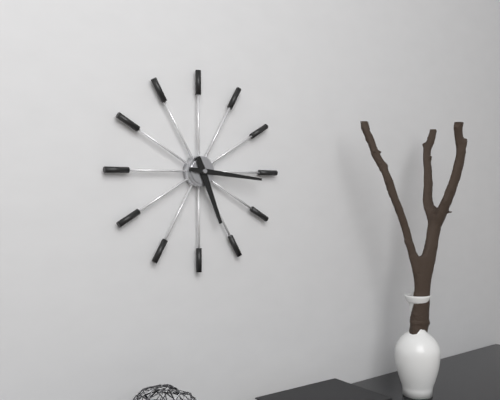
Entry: h=5 m=16
